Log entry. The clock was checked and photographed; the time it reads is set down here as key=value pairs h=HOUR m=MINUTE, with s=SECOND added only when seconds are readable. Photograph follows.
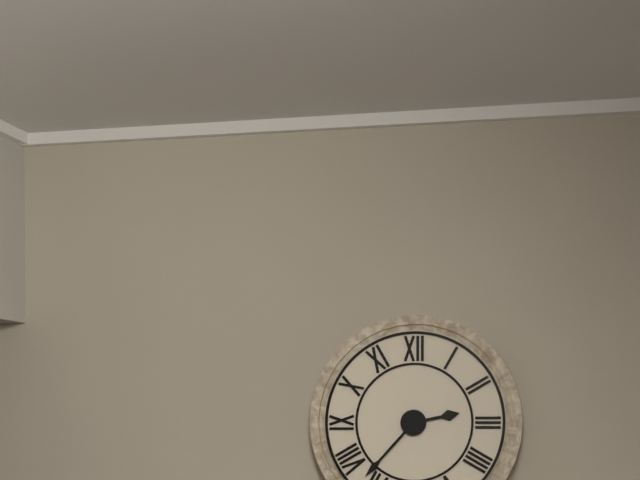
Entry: h=2 m=37
